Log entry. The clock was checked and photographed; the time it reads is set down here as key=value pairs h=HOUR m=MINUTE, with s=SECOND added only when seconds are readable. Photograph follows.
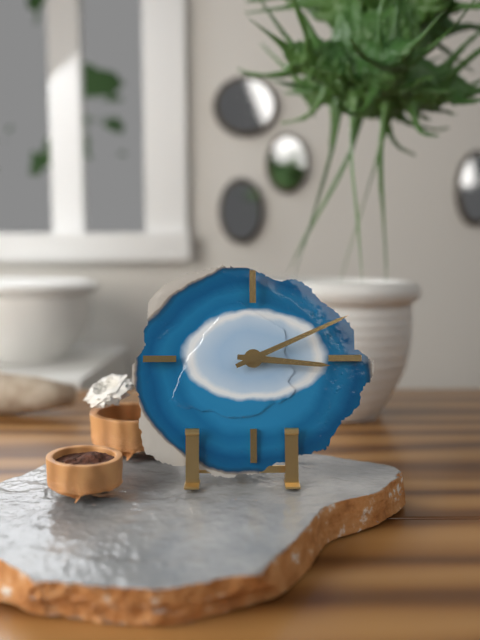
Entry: h=3 m=11
